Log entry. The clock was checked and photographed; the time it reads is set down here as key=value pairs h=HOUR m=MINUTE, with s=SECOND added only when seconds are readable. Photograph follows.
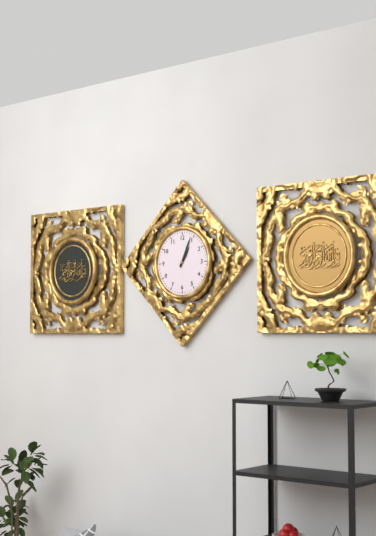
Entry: h=1 m=4
